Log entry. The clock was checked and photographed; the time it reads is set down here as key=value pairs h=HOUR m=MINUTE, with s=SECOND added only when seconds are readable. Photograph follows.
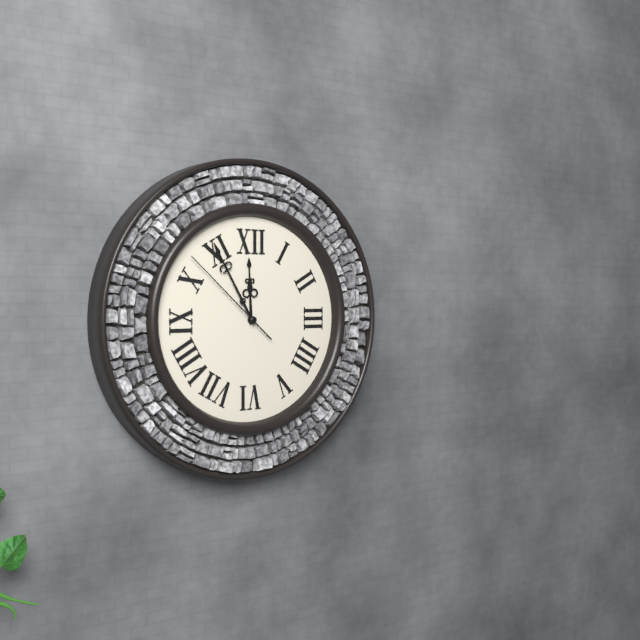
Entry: h=11 m=55 s=52
